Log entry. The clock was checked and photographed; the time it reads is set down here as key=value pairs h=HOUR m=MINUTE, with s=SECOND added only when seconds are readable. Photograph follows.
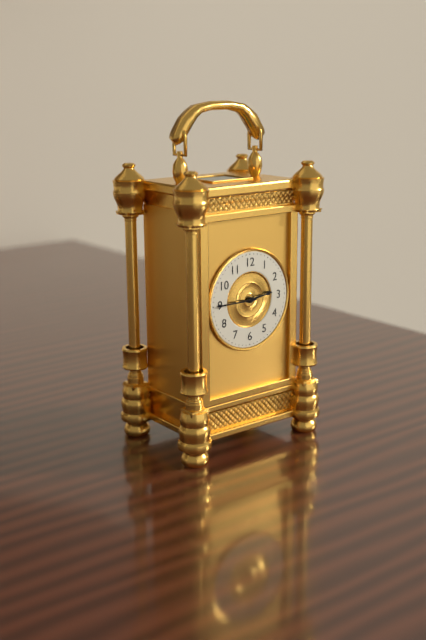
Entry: h=2 m=45
